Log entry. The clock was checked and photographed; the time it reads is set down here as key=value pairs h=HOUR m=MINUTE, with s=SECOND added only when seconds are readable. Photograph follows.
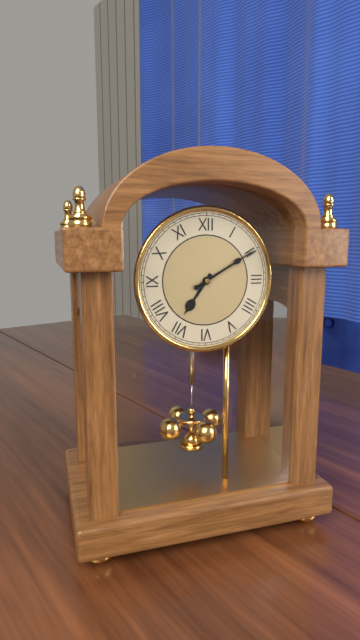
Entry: h=7 m=10
